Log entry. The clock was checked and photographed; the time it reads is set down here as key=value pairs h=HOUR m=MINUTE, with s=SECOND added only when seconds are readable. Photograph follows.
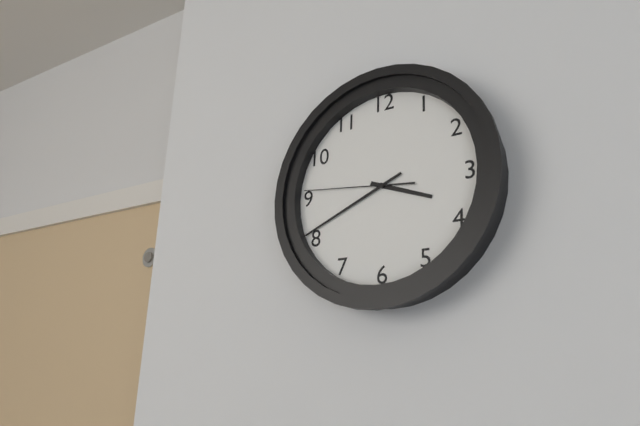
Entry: h=3 m=41 s=46
